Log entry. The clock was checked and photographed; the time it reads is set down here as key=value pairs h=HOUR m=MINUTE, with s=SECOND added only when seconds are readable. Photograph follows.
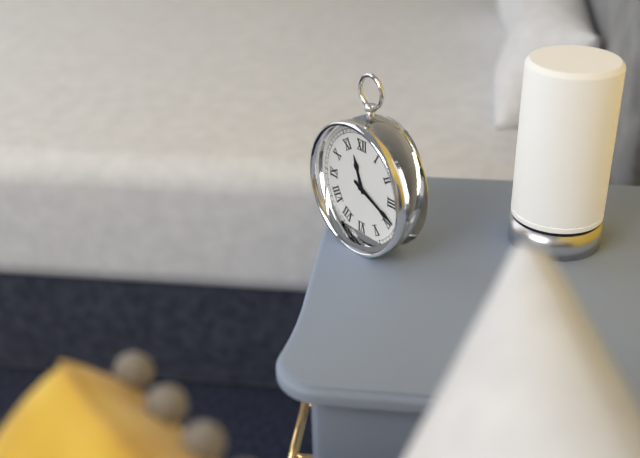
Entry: h=11 m=19
